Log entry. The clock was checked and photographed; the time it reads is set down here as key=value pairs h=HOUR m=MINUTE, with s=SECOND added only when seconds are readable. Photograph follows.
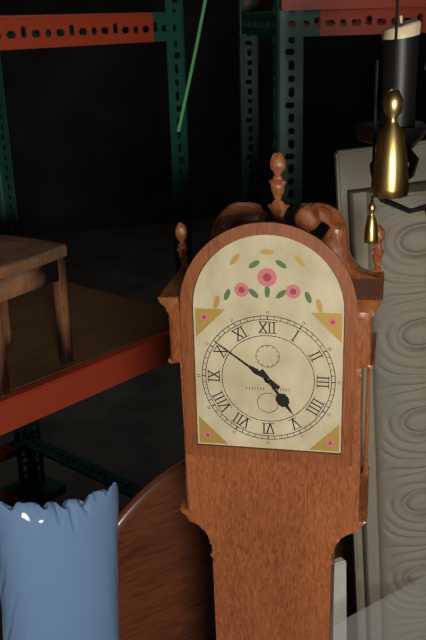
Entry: h=4 m=51
